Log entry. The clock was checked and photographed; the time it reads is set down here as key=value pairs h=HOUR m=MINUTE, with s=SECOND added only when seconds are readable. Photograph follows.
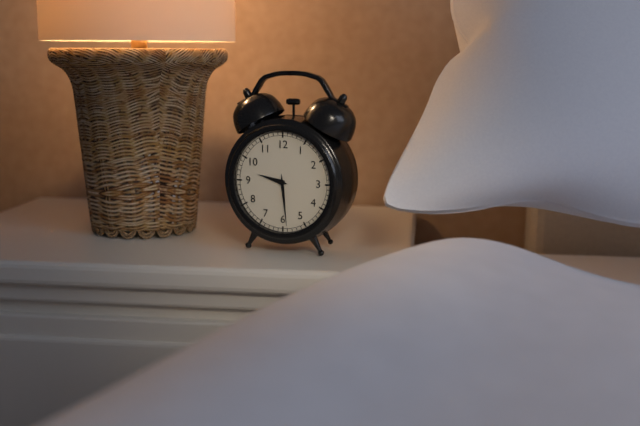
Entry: h=9 m=29
